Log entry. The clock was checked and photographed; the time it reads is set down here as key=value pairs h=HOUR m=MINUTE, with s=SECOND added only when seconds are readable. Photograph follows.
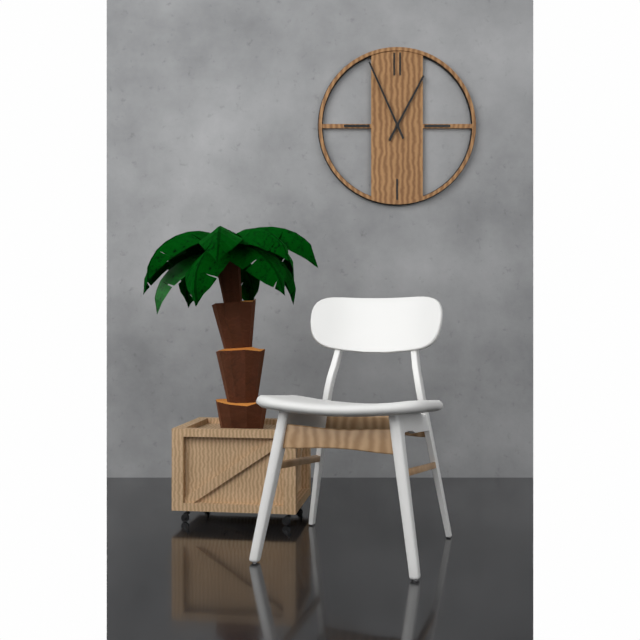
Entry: h=12 m=56
